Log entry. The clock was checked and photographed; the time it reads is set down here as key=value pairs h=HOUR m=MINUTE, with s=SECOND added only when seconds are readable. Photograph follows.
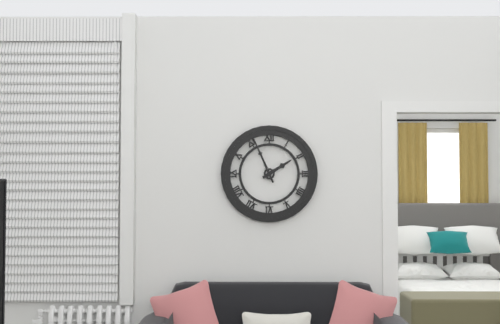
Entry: h=1 m=56
